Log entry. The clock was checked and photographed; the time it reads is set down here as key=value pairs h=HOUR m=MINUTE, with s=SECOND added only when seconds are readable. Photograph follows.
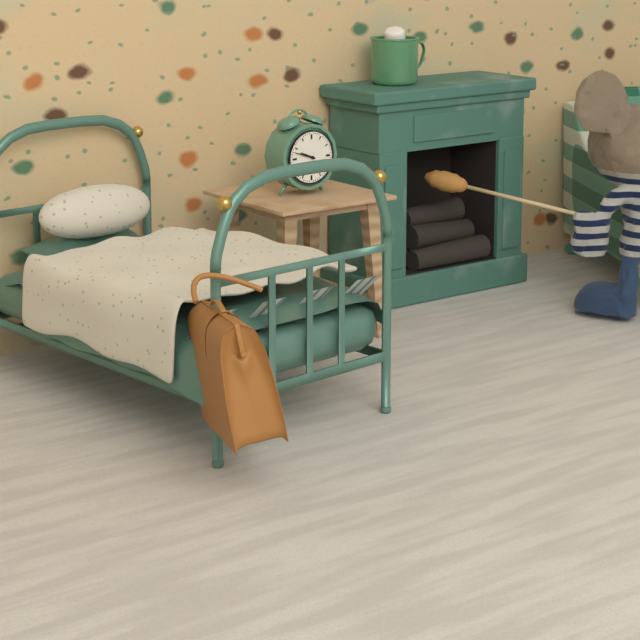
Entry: h=9 m=48
